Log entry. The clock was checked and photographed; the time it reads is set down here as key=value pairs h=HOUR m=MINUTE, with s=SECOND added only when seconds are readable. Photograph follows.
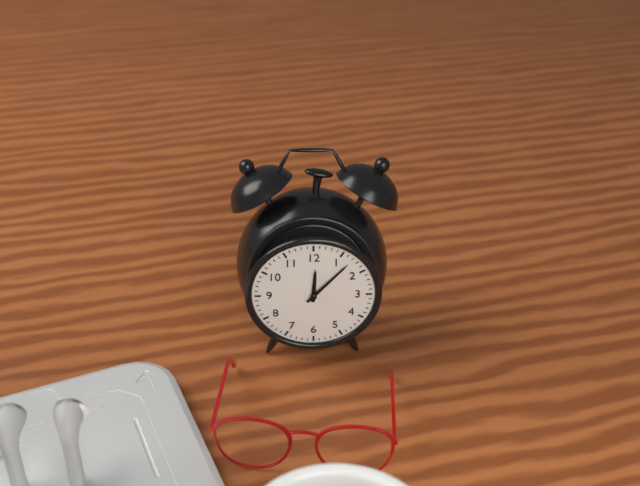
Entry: h=12 m=7
